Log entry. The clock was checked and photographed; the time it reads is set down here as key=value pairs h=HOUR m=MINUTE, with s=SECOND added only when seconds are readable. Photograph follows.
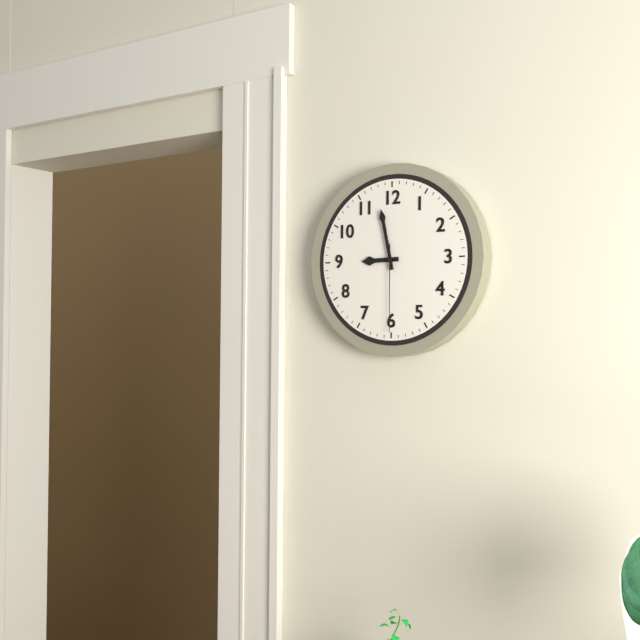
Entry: h=8 m=58 s=30
